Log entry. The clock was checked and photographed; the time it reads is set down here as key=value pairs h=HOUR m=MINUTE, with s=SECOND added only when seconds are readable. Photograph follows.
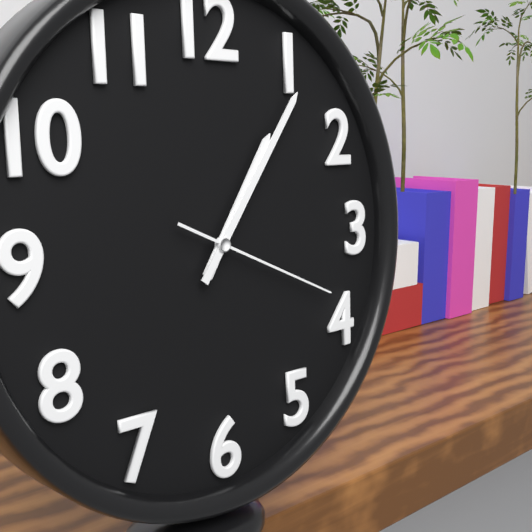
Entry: h=1 m=6 s=19
